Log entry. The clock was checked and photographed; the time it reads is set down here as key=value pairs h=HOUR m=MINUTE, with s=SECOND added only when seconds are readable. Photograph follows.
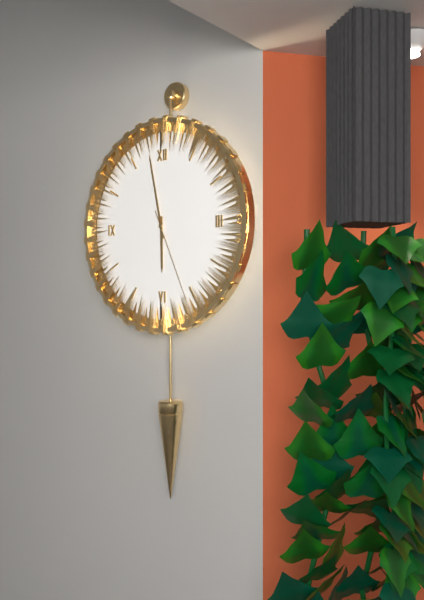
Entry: h=5 m=58 s=26
